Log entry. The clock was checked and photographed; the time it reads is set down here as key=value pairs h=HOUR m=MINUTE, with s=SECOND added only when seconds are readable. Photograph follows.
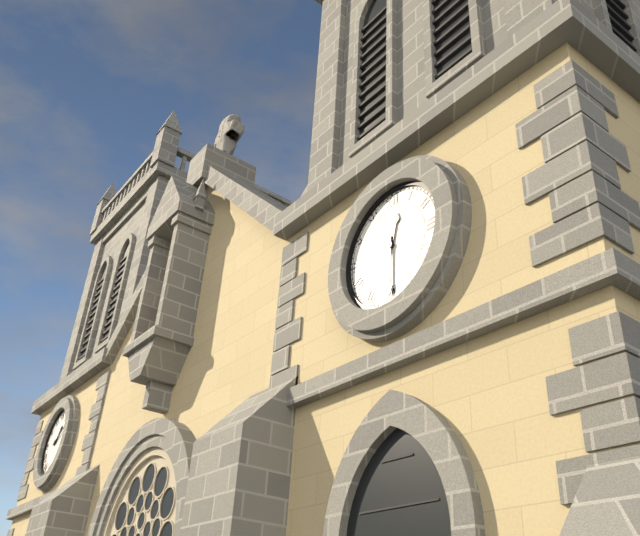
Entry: h=12 m=30
